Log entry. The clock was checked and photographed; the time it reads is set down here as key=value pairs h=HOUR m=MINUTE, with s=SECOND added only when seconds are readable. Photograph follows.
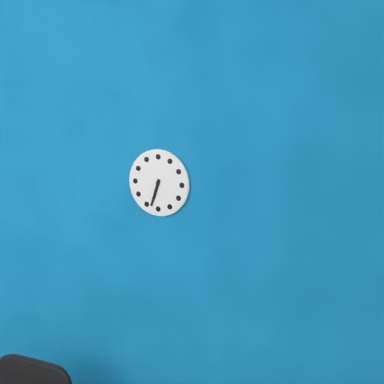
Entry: h=6 m=33
